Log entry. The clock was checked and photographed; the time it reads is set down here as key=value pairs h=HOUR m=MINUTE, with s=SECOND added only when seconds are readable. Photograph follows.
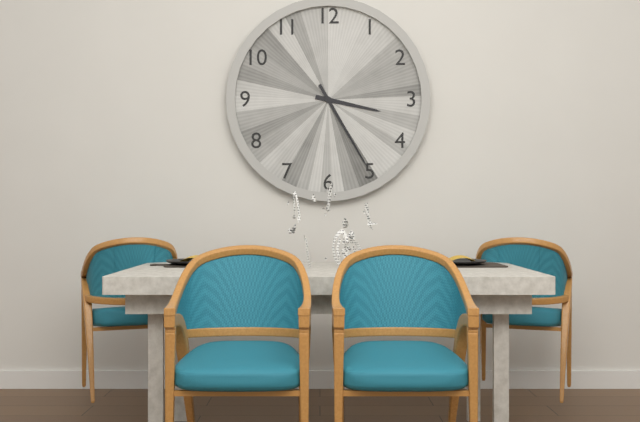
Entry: h=3 m=25
